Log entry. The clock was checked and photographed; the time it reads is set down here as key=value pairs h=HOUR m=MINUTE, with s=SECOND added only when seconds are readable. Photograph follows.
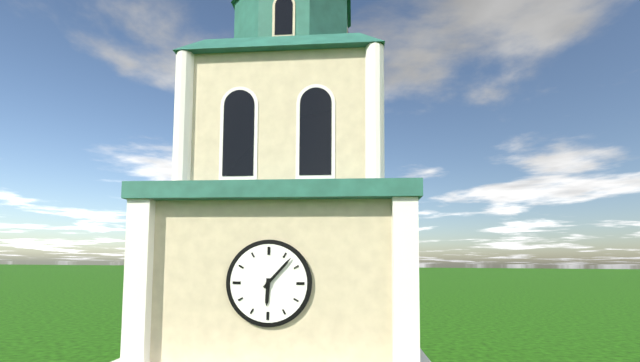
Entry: h=6 m=7
